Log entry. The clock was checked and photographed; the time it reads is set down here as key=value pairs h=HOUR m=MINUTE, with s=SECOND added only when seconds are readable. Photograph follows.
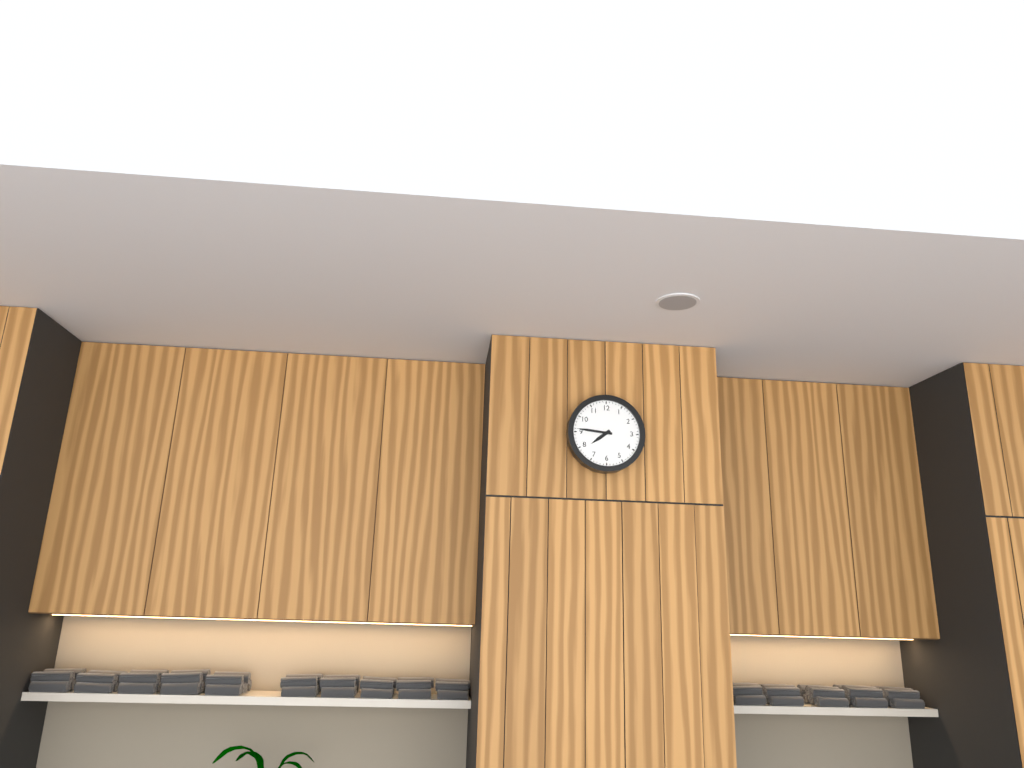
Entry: h=7 m=46
